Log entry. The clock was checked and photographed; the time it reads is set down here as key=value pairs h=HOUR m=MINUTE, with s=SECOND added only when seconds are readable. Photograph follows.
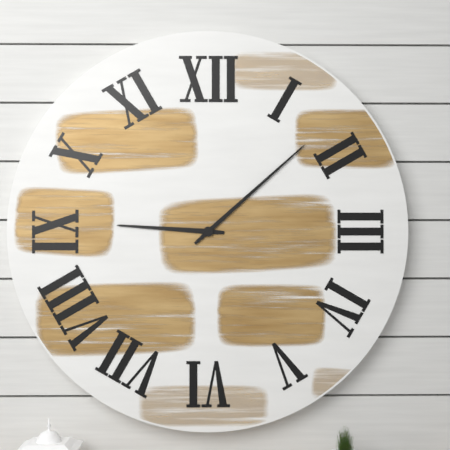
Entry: h=9 m=8
